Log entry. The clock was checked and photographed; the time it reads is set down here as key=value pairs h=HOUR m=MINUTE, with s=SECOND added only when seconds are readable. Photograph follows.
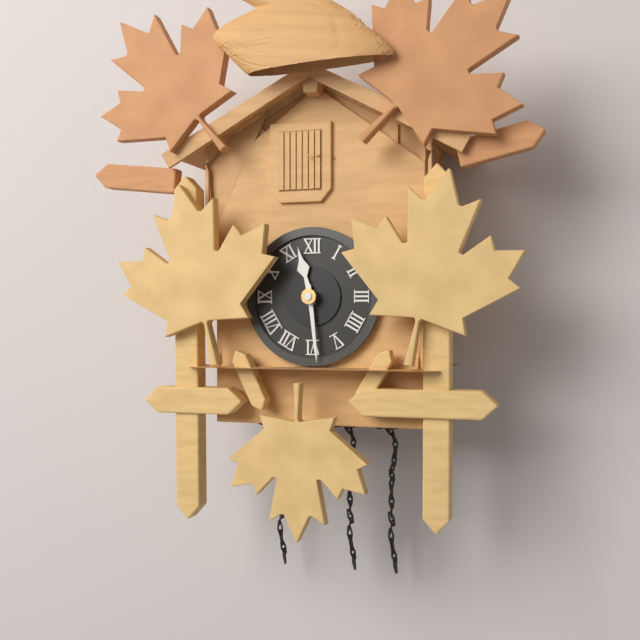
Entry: h=11 m=29
